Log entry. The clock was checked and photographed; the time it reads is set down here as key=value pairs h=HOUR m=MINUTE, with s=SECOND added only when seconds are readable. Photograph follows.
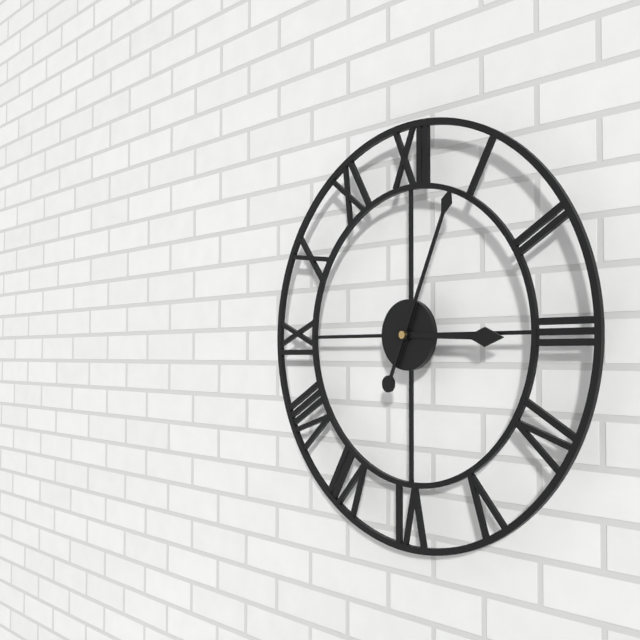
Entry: h=3 m=4
